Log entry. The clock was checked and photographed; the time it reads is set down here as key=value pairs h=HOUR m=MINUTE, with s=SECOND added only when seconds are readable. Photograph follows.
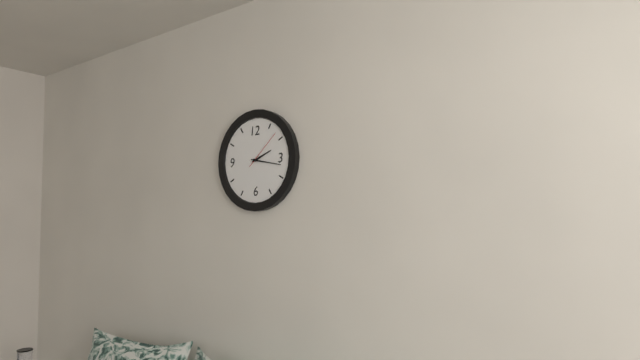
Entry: h=2 m=17
